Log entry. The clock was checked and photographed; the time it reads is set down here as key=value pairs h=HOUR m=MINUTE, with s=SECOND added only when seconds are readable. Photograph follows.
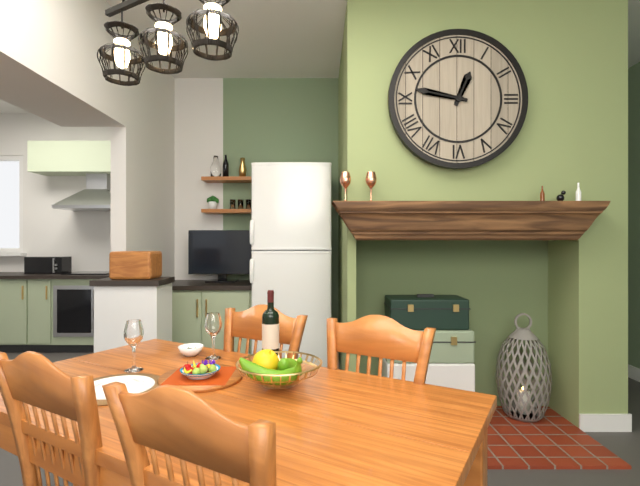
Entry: h=12 m=47
